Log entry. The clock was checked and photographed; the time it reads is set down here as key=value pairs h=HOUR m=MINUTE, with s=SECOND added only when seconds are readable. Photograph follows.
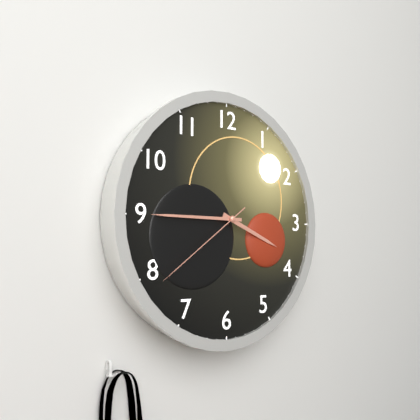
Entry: h=3 m=45 s=39
